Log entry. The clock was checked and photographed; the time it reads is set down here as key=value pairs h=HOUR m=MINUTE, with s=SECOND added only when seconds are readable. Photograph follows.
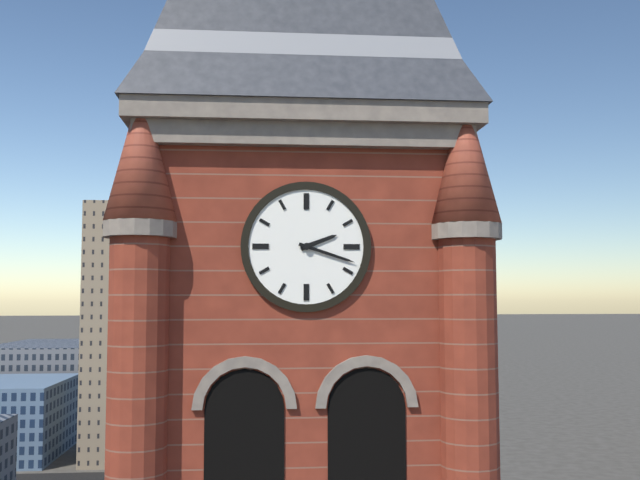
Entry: h=2 m=18
